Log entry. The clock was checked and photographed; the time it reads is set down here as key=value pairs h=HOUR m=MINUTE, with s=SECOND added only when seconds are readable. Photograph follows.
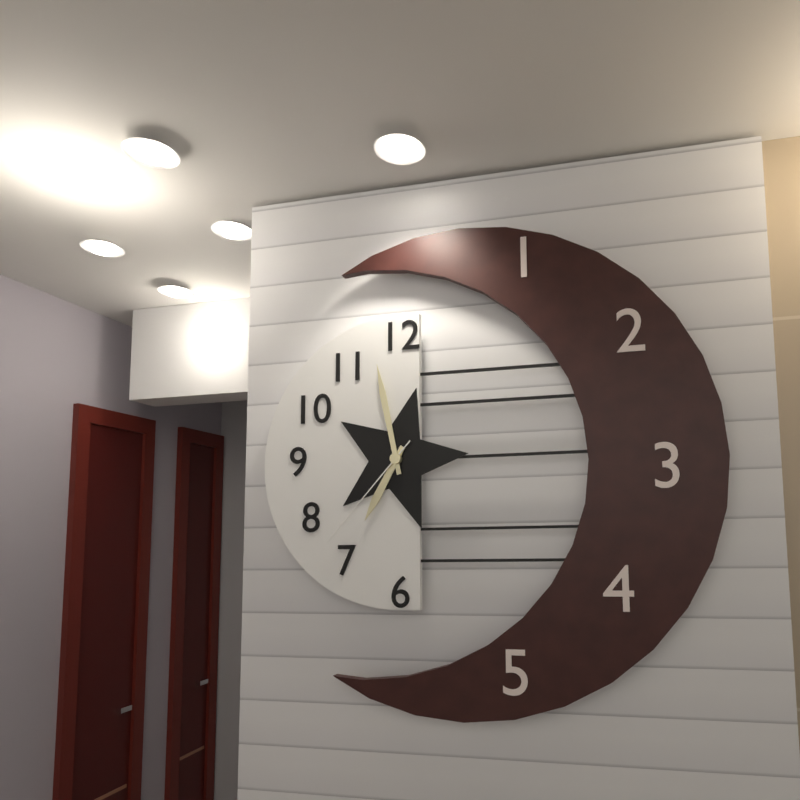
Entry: h=6 m=58 s=37
